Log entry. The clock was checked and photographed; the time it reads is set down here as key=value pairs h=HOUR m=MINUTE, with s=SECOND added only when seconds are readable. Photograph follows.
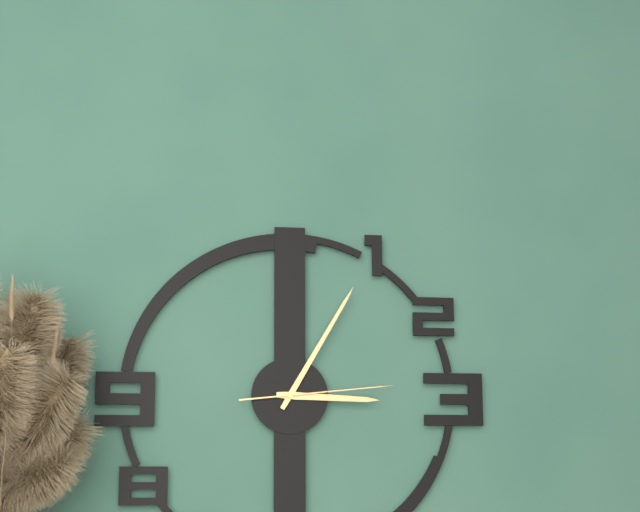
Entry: h=3 m=5 s=14
